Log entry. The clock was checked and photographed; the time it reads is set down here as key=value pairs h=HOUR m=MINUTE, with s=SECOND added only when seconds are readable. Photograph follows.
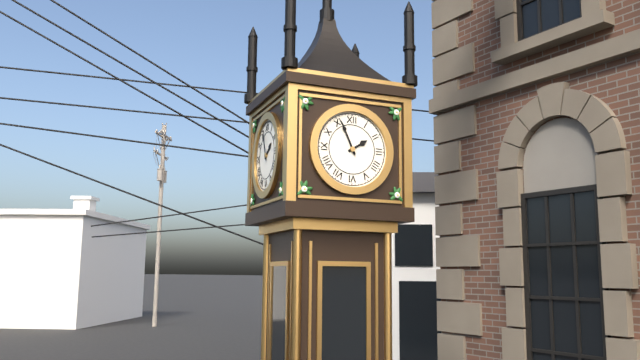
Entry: h=1 m=56
